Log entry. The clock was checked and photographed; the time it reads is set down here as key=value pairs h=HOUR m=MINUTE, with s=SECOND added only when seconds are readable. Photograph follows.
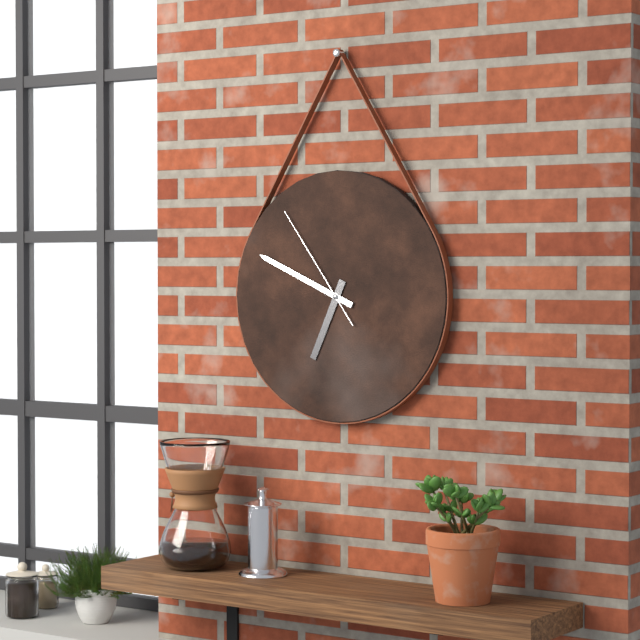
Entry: h=6 m=49 s=54
